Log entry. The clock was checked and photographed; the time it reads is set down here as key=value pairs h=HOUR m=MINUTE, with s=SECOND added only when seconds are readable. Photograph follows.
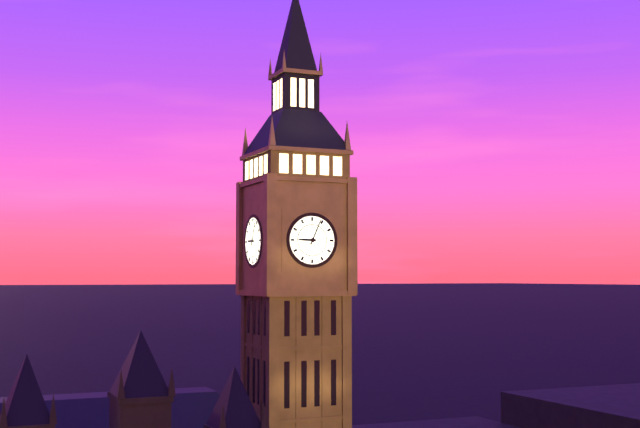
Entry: h=9 m=4
